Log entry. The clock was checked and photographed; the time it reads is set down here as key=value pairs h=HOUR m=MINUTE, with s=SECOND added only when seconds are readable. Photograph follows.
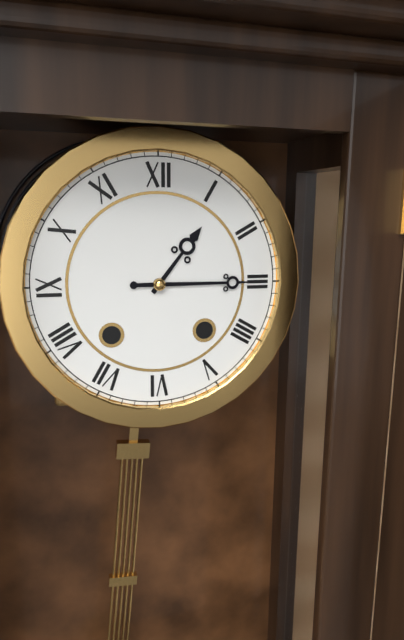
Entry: h=1 m=15
